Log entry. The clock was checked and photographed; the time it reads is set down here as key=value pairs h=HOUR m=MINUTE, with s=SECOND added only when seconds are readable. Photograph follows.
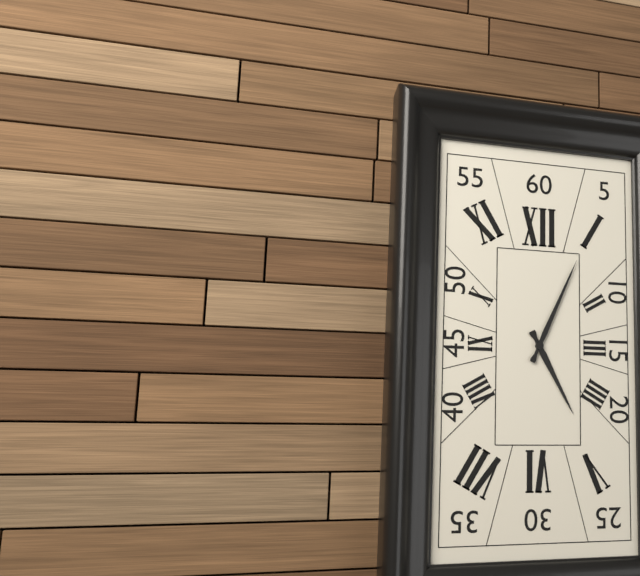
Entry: h=5 m=4
